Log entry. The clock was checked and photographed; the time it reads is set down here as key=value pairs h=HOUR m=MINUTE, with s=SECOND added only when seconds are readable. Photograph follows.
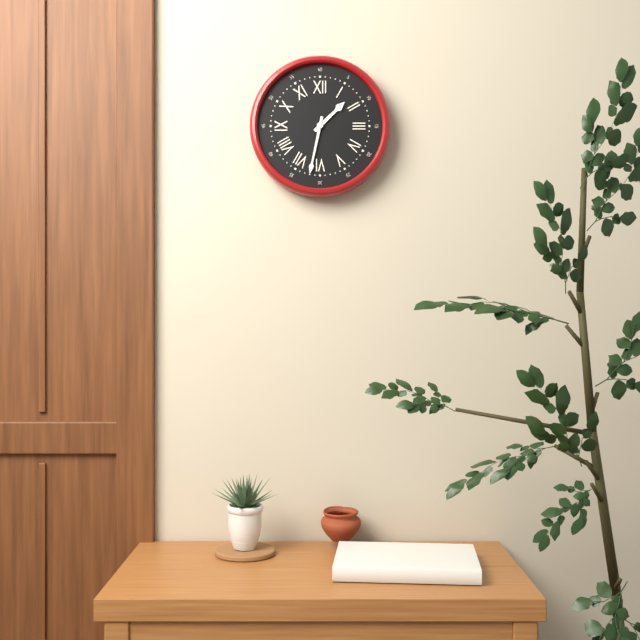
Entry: h=1 m=32
